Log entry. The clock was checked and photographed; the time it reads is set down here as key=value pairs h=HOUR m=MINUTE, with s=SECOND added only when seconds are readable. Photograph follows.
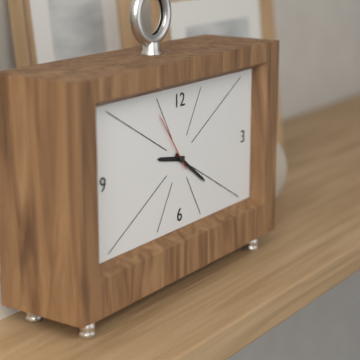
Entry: h=9 m=21 s=54
